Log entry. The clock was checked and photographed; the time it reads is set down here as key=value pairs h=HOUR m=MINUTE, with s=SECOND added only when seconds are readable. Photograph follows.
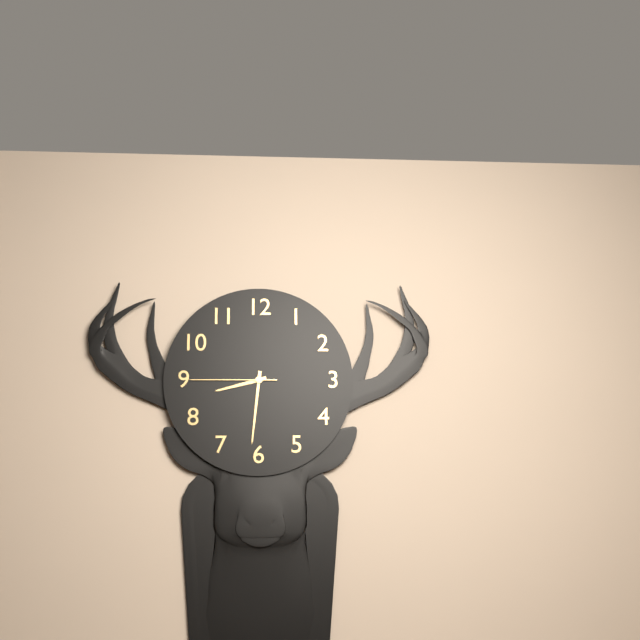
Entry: h=8 m=31 s=45
